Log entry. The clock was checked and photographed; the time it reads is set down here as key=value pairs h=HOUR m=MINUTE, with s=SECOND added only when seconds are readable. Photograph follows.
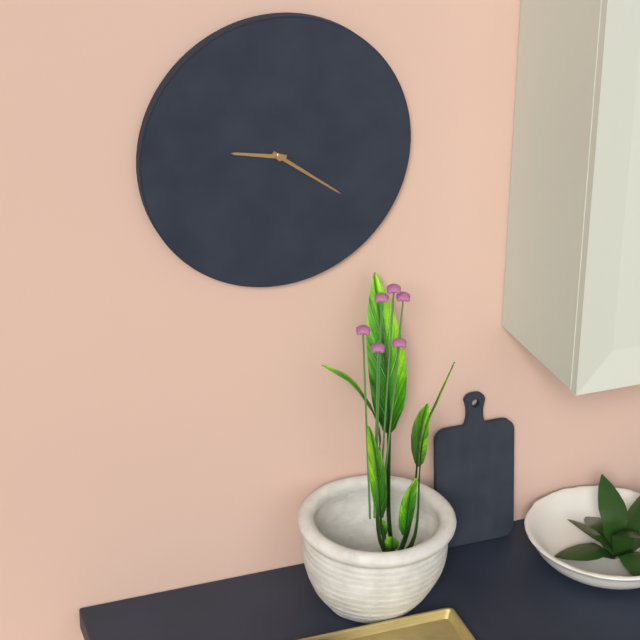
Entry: h=9 m=21
